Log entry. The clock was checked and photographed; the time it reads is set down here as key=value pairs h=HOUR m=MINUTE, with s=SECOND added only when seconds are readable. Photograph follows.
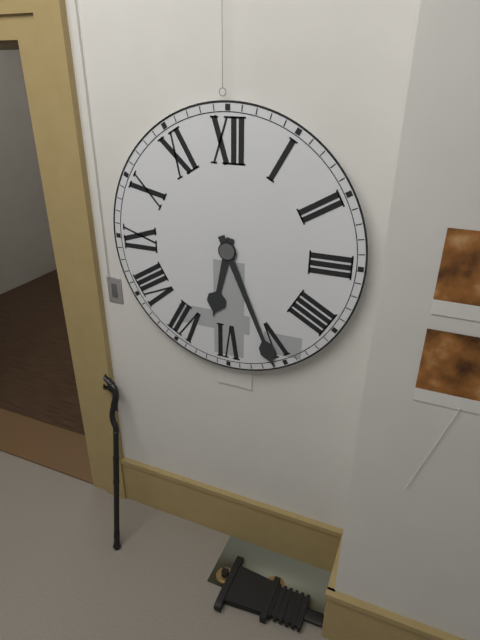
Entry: h=6 m=26
